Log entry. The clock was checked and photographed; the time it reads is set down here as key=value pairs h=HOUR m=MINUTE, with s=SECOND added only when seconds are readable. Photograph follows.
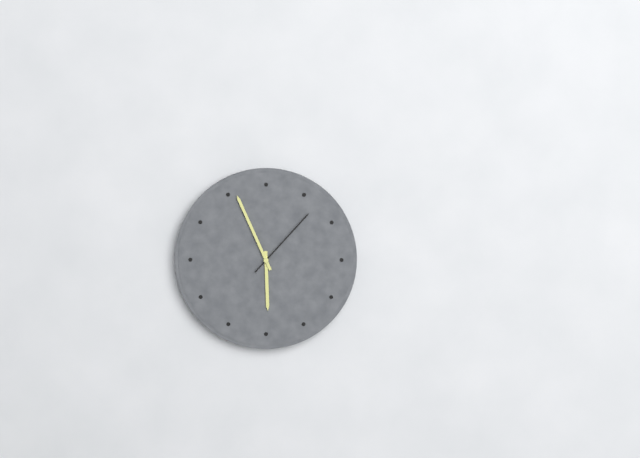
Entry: h=5 m=56 s=7
